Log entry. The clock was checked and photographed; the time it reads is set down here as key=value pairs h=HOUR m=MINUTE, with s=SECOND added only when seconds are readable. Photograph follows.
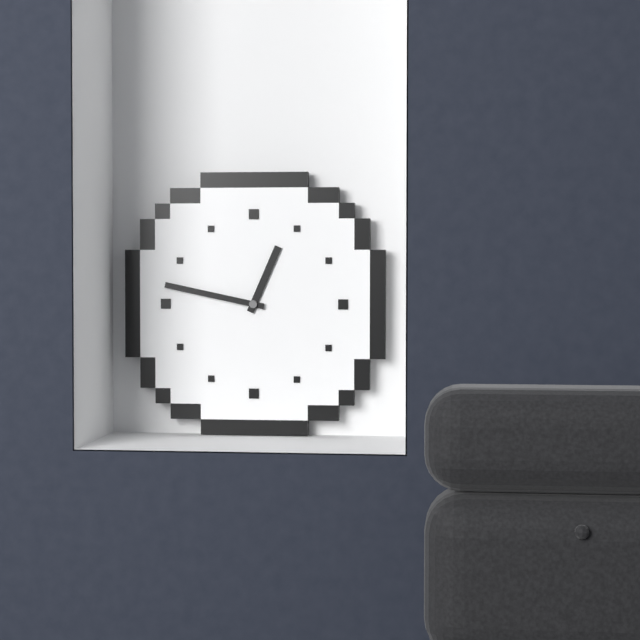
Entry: h=12 m=47
